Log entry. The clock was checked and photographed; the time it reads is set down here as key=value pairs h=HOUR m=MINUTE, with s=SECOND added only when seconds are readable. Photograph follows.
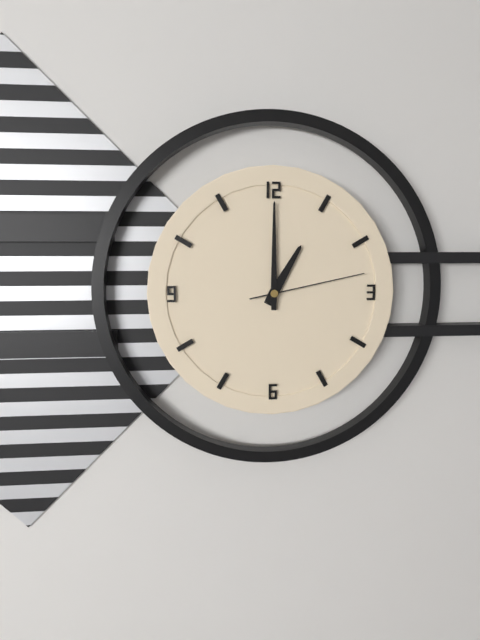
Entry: h=1 m=0 s=13
